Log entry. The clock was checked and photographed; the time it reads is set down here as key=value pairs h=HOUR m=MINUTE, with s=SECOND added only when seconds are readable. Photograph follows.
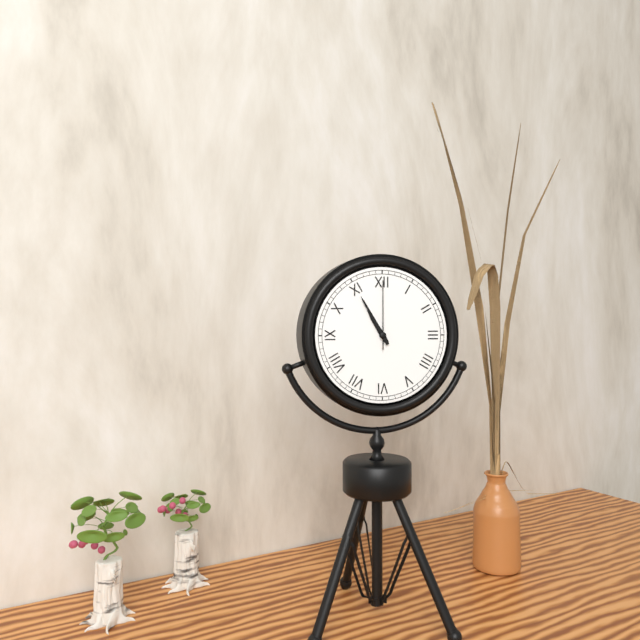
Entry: h=10 m=55 s=0
